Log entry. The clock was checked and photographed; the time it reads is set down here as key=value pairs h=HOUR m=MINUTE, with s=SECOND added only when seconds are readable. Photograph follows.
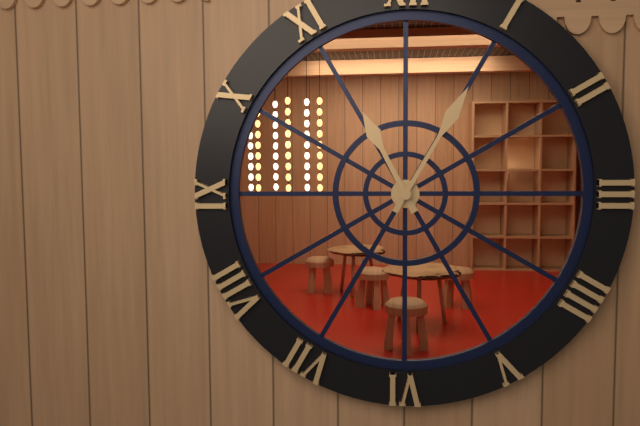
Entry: h=11 m=5
